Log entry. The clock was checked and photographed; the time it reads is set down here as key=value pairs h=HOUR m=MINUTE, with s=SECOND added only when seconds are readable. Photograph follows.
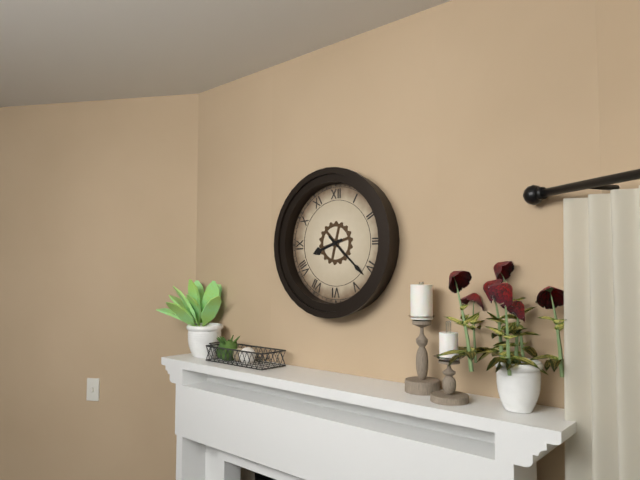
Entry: h=8 m=22
